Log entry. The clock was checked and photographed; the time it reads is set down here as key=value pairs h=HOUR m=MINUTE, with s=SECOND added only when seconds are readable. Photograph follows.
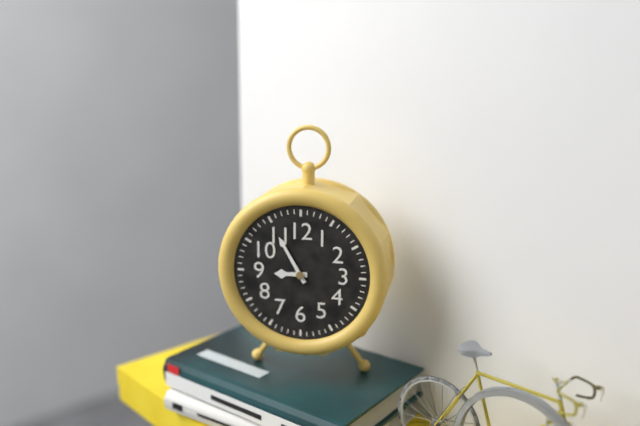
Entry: h=8 m=55
